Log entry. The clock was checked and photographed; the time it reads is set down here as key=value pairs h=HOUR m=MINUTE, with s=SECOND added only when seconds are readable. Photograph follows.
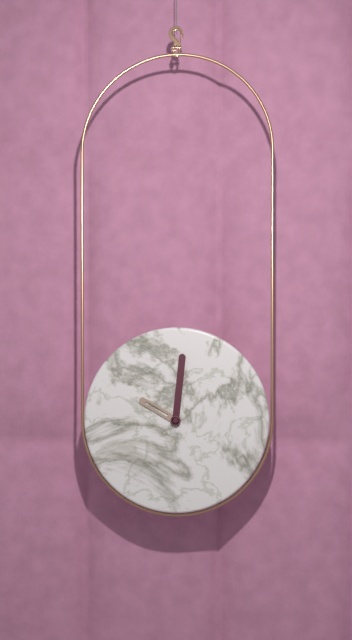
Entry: h=10 m=1
